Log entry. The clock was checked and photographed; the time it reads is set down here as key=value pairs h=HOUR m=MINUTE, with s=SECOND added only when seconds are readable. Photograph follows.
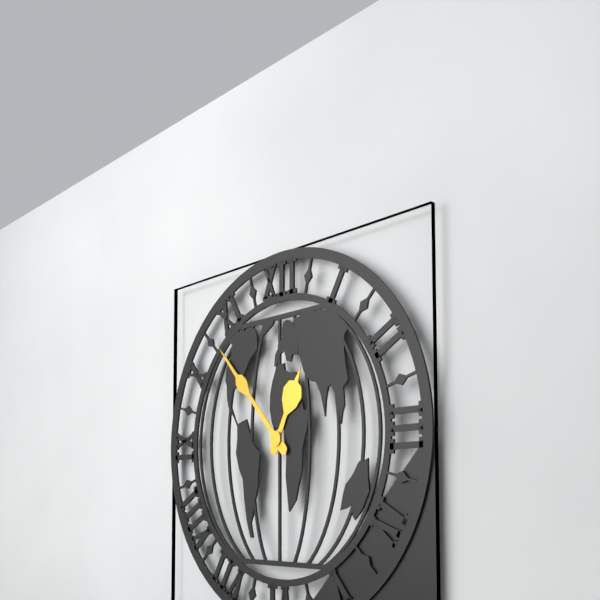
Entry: h=12 m=53
